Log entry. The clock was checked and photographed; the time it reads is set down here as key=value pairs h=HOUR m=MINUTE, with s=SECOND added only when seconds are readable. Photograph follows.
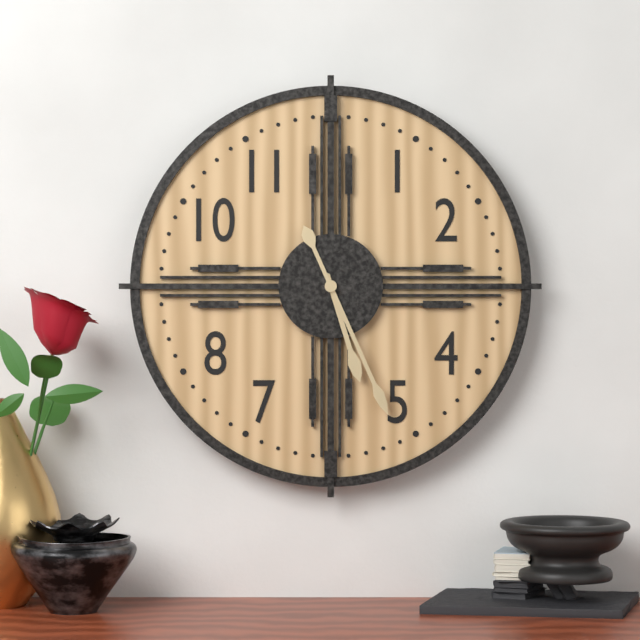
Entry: h=5 m=26
